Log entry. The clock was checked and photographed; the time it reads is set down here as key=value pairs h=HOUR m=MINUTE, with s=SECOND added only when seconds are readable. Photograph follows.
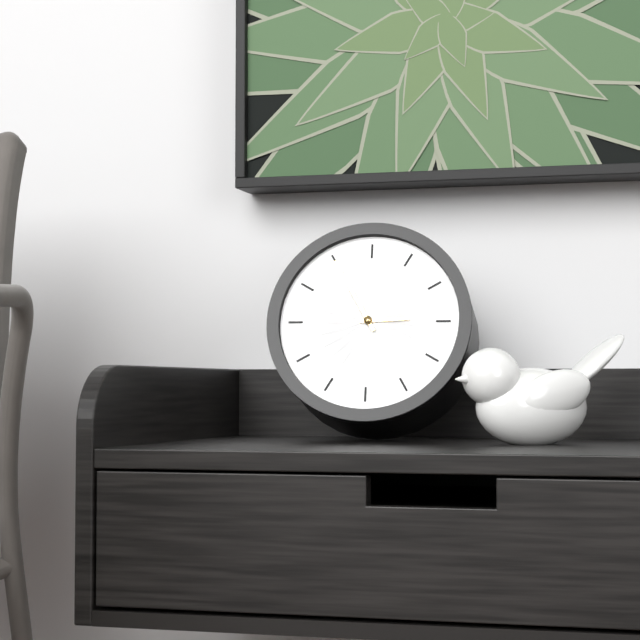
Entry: h=2 m=55
